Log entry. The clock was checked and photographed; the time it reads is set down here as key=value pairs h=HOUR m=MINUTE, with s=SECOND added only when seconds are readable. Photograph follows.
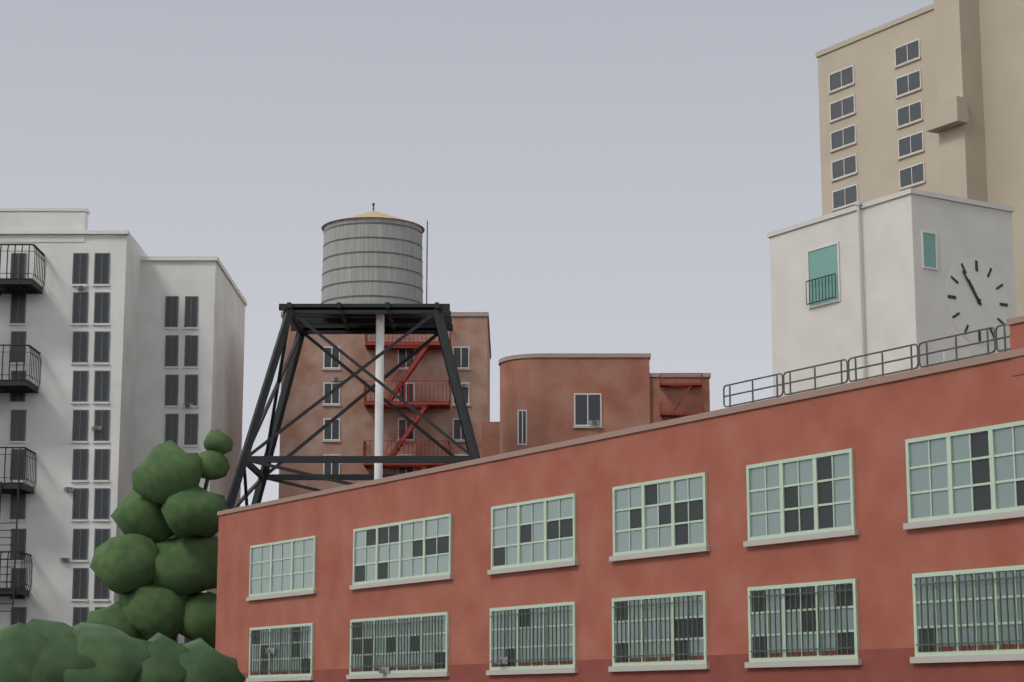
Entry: h=10 m=54
